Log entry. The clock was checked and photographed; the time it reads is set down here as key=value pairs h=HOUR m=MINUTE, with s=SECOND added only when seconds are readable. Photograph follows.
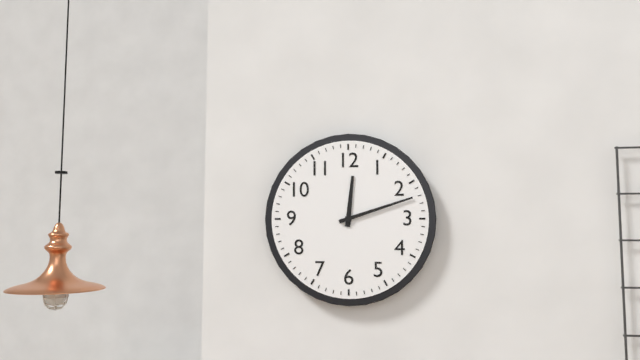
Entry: h=12 m=12
